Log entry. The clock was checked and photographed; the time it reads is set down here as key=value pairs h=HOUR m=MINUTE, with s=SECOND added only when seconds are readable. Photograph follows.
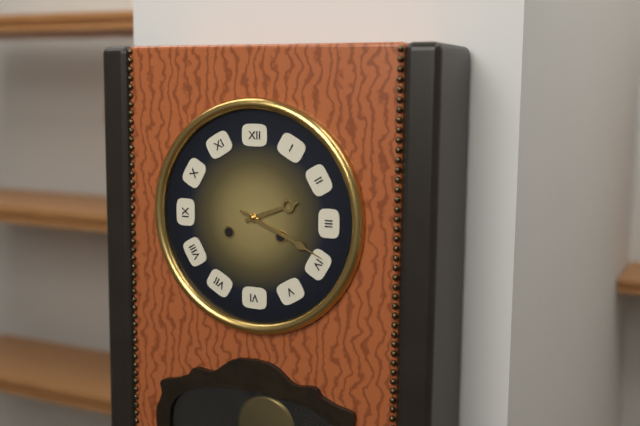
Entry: h=2 m=19
